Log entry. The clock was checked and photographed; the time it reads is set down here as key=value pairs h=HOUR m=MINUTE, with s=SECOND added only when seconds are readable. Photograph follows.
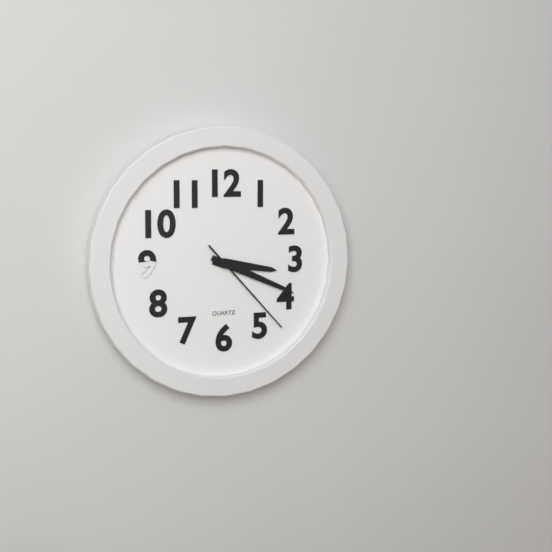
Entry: h=3 m=19 s=23
